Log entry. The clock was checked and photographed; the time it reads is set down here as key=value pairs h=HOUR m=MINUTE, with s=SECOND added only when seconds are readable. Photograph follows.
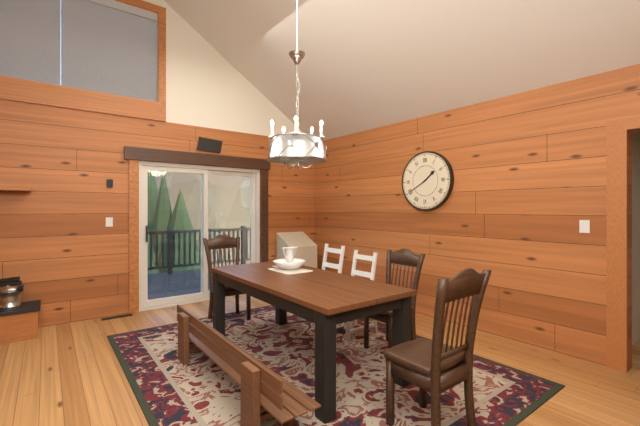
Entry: h=1 m=40
